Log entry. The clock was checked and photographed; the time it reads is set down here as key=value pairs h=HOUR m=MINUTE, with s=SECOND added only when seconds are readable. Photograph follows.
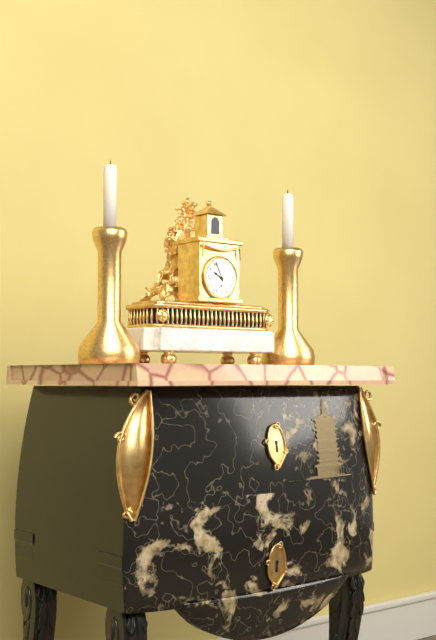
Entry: h=9 m=56
